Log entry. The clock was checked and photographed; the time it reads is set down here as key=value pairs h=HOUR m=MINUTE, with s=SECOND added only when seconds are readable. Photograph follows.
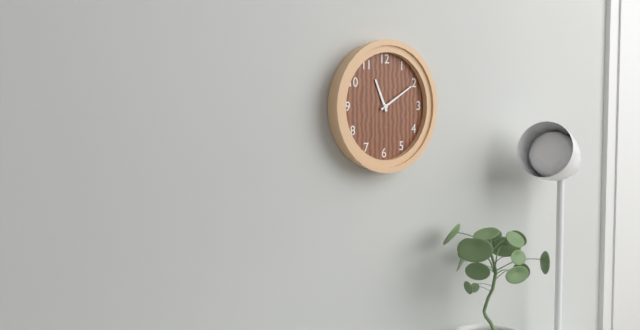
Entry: h=11 m=10
